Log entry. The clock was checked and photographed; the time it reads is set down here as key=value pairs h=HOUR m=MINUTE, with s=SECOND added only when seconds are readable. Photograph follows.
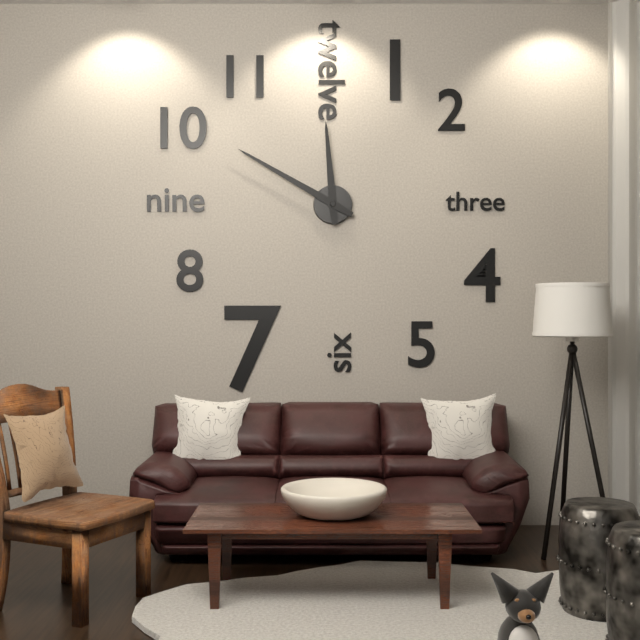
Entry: h=11 m=50
